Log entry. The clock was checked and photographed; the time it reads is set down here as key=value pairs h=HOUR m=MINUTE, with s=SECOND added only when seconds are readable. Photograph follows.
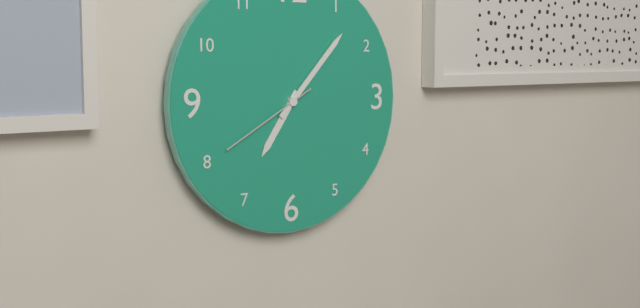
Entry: h=7 m=7 s=40
